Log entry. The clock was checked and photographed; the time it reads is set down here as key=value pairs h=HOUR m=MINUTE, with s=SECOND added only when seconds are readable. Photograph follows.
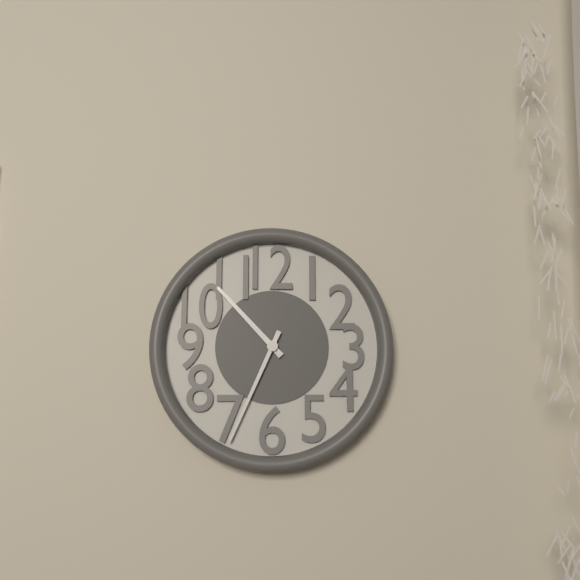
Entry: h=10 m=34
